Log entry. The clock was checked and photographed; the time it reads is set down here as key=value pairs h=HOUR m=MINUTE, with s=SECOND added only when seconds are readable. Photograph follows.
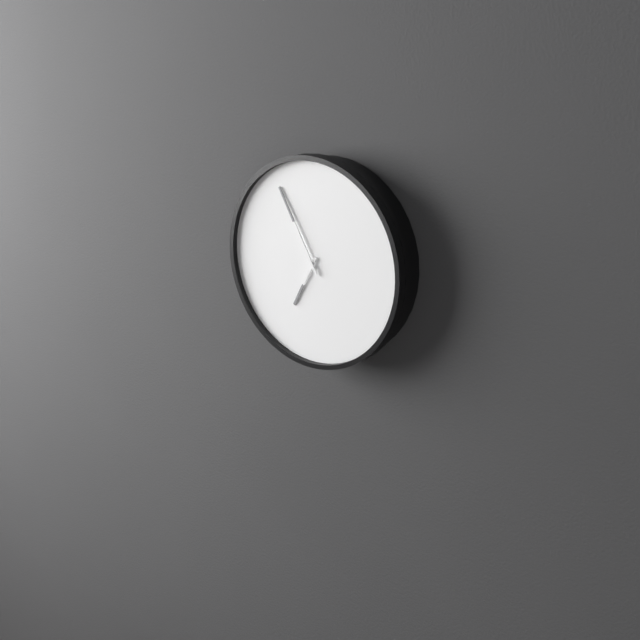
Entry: h=6 m=55
